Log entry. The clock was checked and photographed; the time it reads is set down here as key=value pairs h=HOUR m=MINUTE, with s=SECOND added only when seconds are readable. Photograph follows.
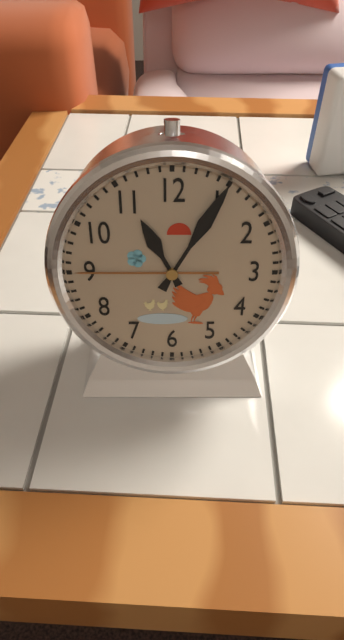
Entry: h=11 m=5
